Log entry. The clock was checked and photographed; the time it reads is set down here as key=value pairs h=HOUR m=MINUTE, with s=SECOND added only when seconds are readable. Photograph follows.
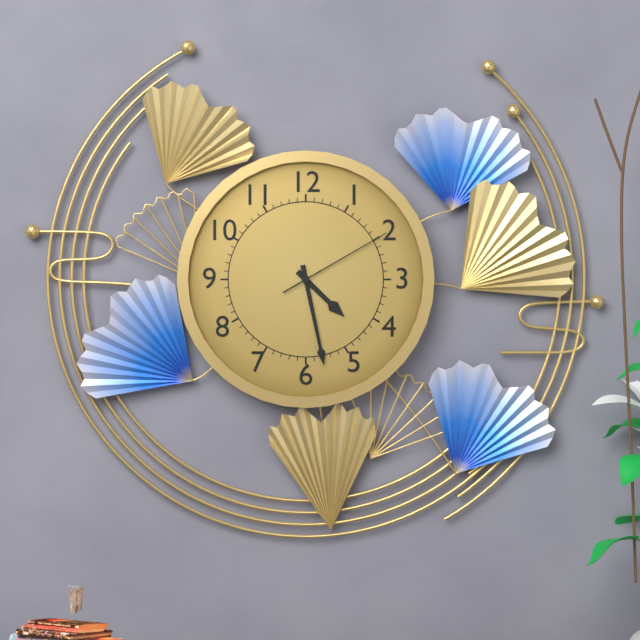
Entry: h=4 m=28 s=10
